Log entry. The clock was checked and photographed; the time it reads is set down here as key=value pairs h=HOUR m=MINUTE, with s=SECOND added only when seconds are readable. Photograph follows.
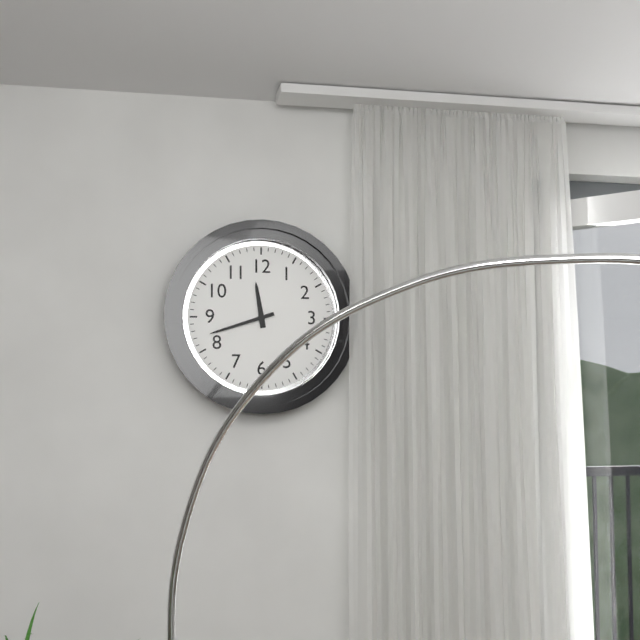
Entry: h=11 m=42
